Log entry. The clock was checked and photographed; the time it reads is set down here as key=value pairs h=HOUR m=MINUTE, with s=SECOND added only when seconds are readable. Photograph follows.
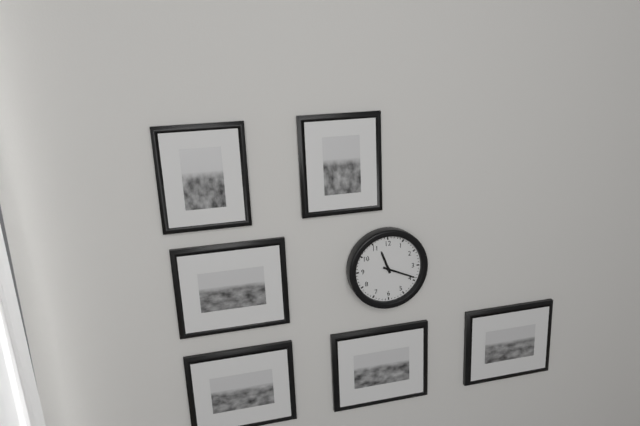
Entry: h=11 m=19
